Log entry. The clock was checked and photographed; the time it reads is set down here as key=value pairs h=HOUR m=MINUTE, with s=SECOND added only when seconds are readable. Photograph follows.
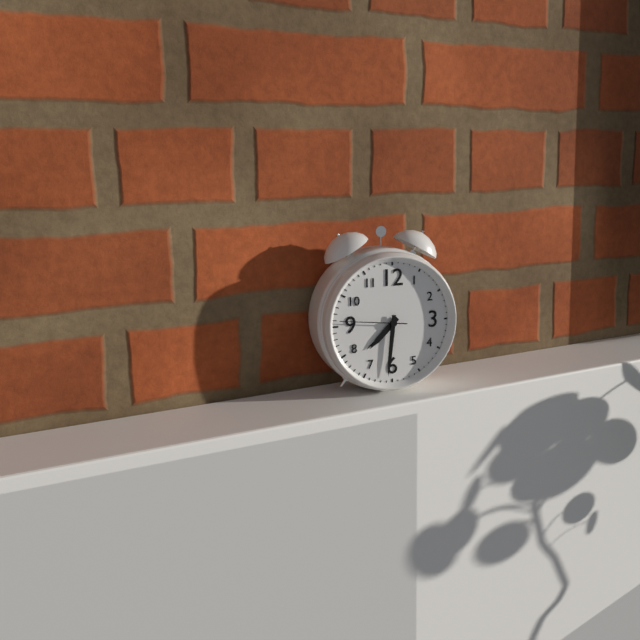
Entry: h=7 m=31 s=46
